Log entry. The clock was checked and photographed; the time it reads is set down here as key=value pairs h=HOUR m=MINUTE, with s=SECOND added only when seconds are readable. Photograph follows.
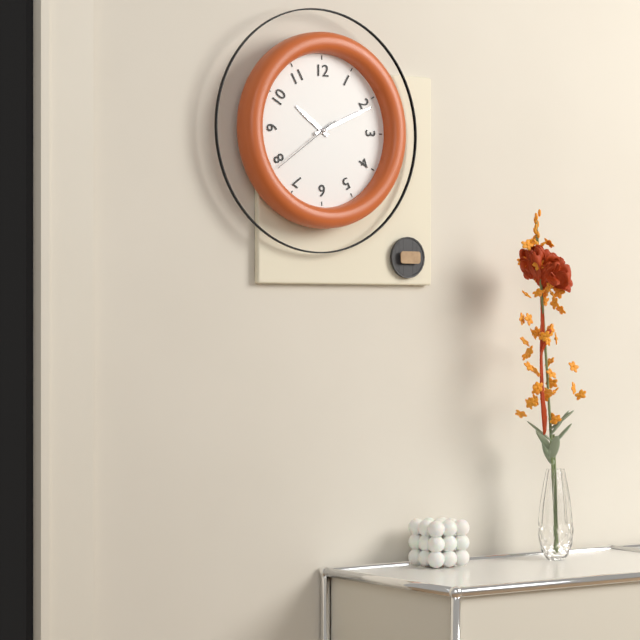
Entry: h=10 m=11 s=39
